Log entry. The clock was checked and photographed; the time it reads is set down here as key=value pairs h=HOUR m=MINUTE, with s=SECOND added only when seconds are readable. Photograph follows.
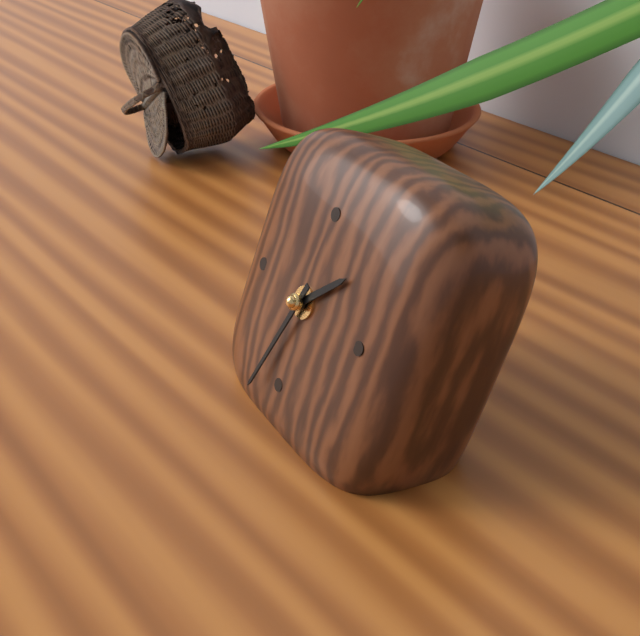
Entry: h=1 m=33
